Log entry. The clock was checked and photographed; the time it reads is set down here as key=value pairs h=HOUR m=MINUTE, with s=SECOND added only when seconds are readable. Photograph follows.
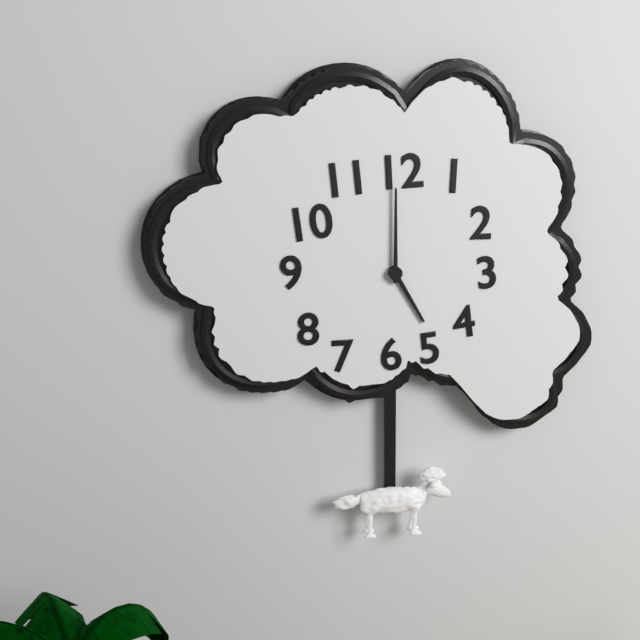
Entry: h=5 m=0
